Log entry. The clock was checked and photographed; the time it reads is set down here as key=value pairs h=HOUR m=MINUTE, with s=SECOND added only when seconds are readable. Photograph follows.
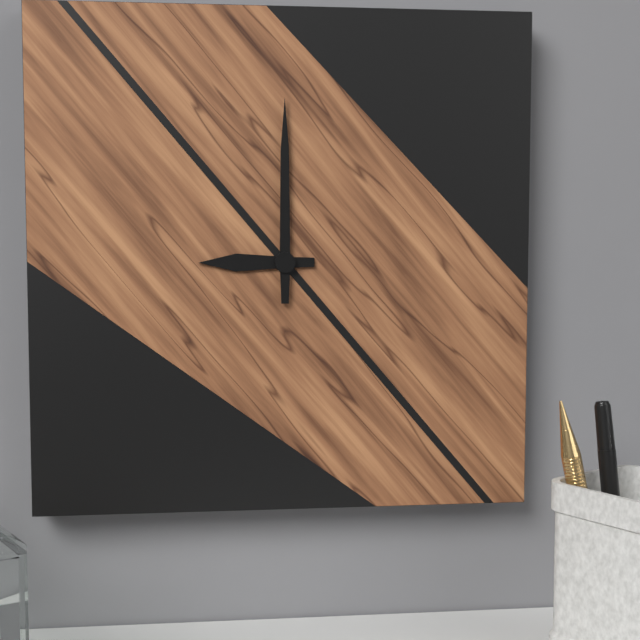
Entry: h=9 m=0
